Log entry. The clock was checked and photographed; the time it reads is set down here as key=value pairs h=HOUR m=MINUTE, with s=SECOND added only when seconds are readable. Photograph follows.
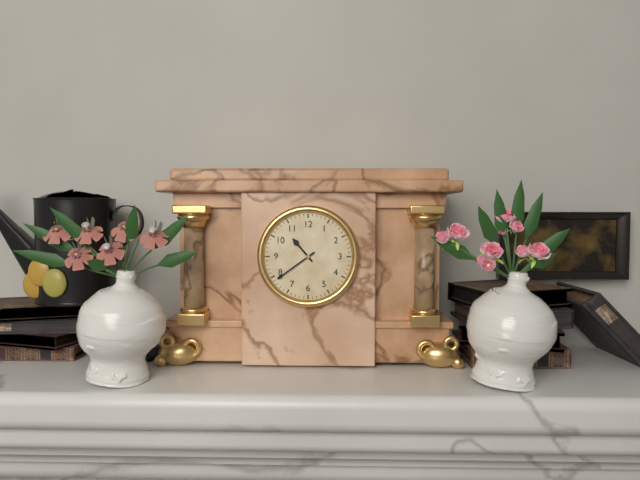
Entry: h=10 m=39
